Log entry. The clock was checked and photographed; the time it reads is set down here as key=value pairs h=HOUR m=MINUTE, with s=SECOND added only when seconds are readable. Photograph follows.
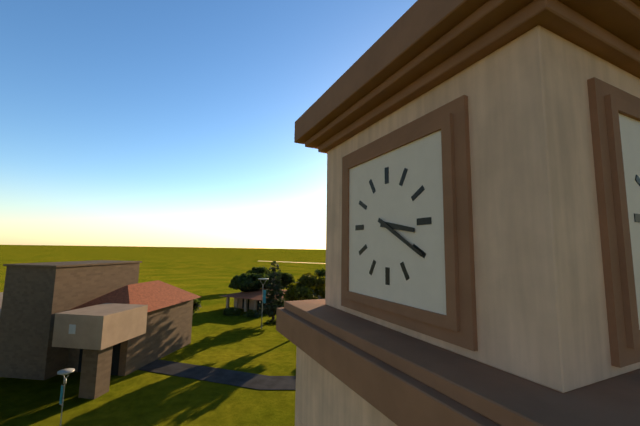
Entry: h=3 m=20
